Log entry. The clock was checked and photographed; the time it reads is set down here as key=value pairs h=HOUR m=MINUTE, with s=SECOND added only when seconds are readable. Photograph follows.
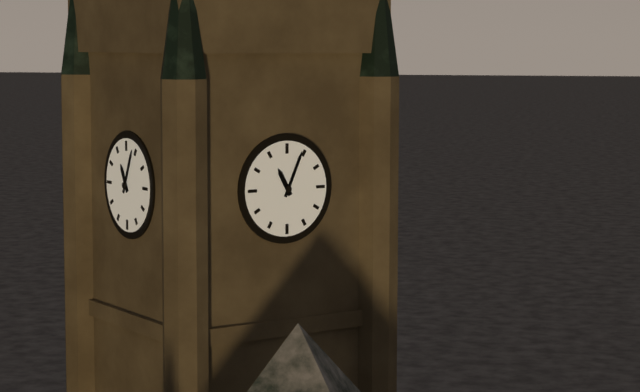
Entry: h=11 m=4
